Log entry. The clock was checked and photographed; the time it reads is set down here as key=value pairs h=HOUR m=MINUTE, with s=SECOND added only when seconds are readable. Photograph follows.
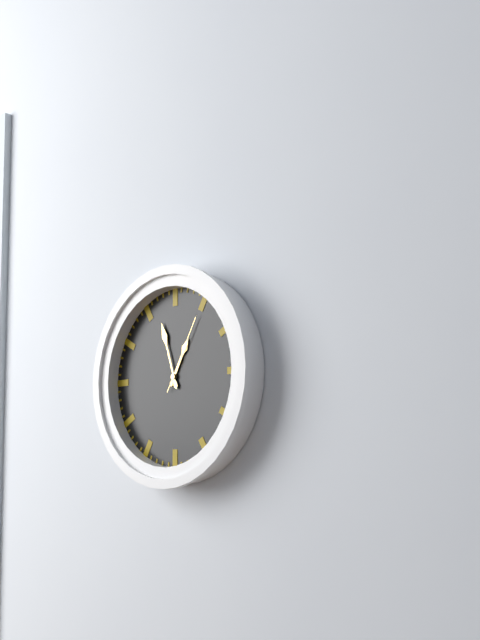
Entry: h=12 m=57 s=5
